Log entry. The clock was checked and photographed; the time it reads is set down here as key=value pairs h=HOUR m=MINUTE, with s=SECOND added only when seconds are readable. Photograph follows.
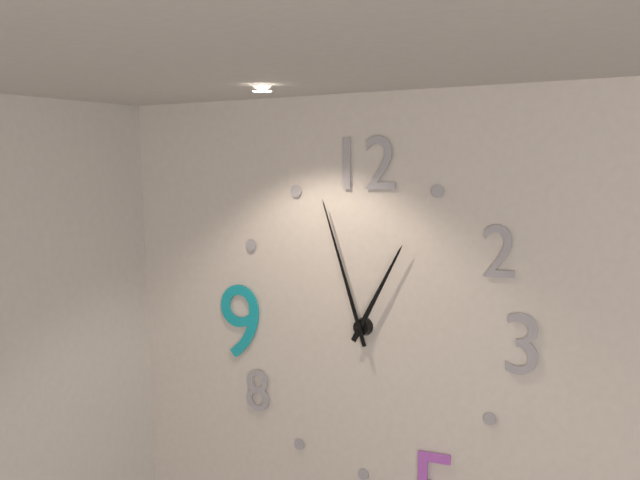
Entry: h=12 m=57
